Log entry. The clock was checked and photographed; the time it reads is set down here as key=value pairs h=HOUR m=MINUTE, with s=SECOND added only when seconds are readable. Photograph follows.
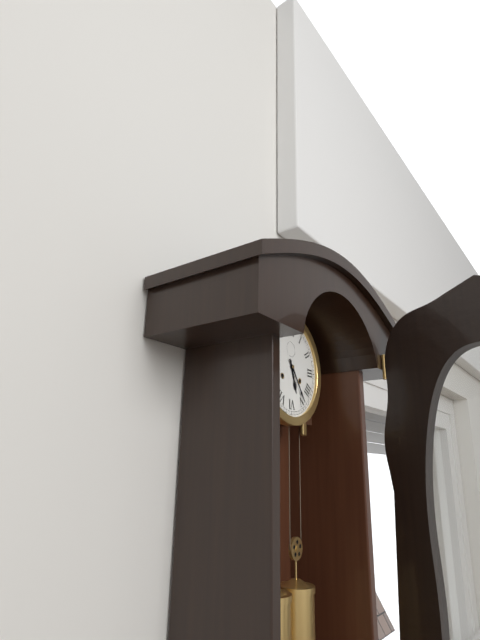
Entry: h=5 m=24
